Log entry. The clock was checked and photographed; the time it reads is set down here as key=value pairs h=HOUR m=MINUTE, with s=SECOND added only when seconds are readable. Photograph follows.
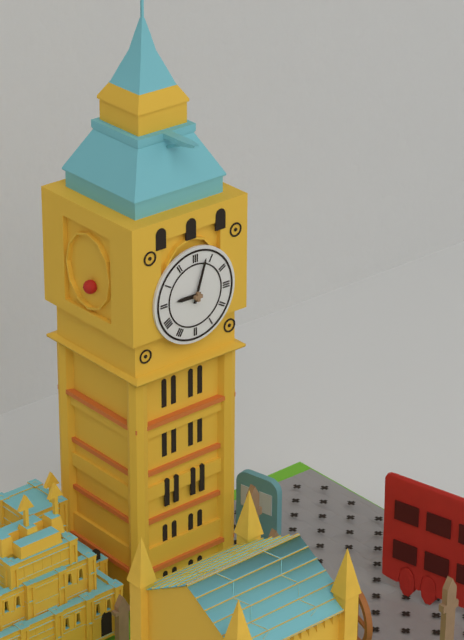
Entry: h=9 m=3
